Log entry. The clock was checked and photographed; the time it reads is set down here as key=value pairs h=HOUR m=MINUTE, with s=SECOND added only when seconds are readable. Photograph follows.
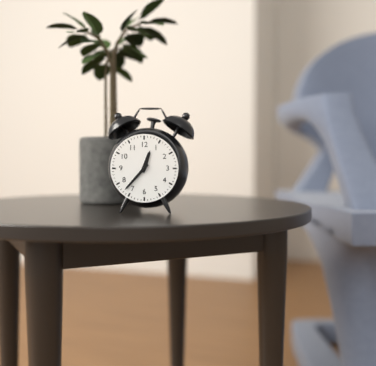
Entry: h=12 m=37
